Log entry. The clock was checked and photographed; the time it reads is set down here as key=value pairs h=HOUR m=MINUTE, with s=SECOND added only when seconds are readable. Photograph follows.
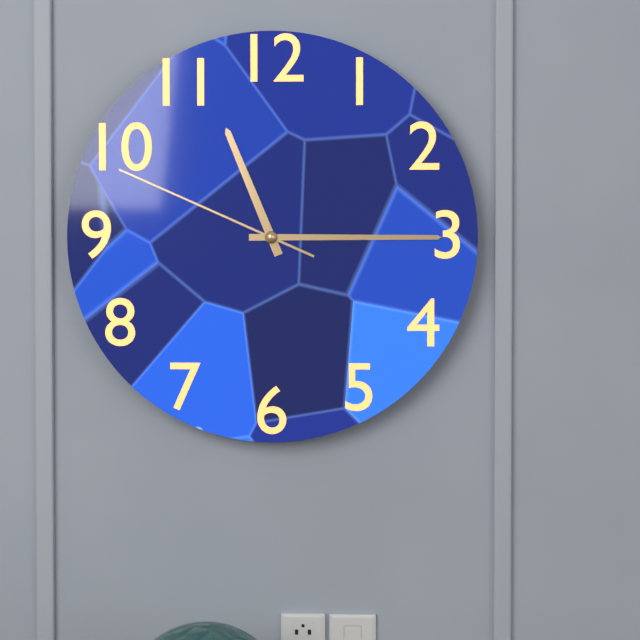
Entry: h=11 m=15 s=49
